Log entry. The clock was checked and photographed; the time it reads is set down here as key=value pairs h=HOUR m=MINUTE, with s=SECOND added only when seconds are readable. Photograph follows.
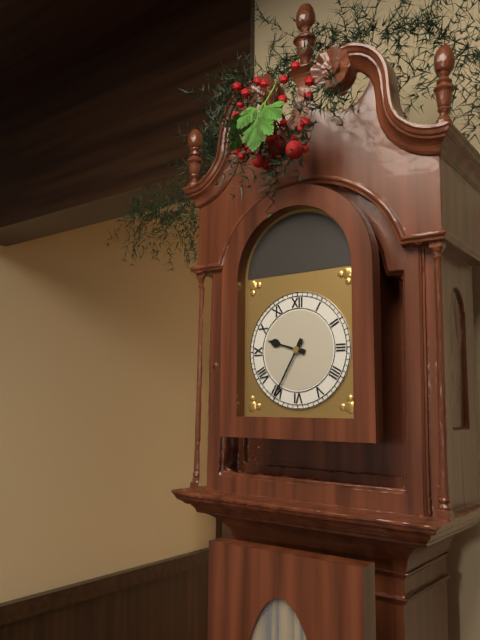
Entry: h=9 m=35
